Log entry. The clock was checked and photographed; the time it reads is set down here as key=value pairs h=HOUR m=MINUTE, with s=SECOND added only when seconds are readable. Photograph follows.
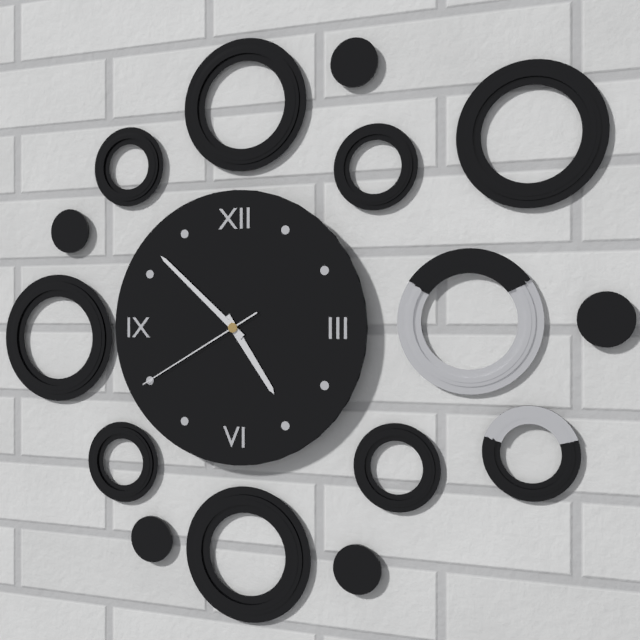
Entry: h=4 m=52 s=40
